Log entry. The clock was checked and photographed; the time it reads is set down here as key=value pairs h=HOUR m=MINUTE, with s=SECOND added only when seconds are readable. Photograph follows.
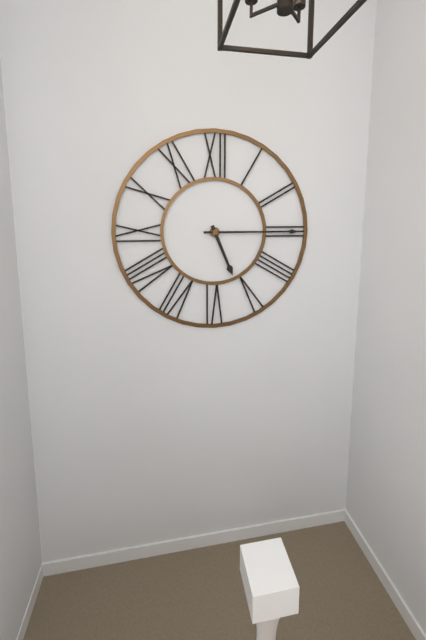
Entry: h=5 m=15
